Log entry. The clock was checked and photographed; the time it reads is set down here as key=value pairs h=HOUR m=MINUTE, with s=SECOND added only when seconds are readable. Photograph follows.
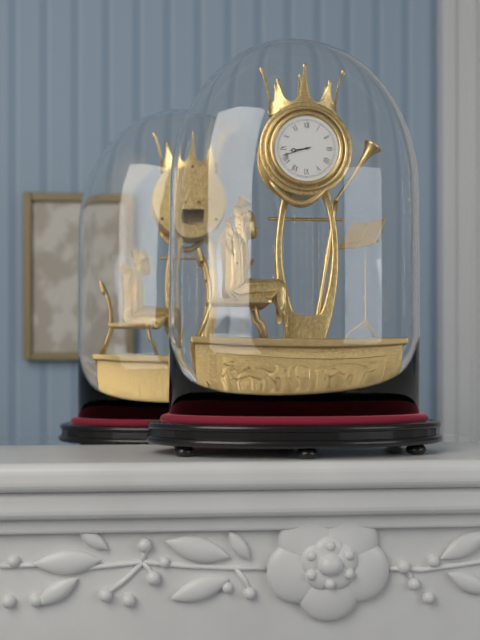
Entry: h=8 m=42
